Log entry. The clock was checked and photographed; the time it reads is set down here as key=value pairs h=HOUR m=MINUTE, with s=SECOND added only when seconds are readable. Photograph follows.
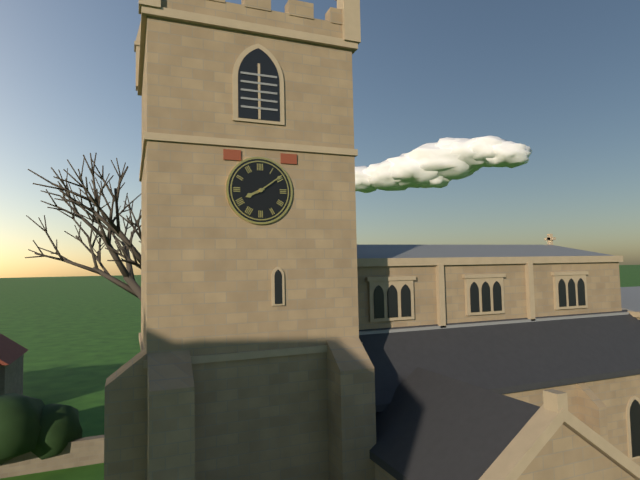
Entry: h=8 m=9
